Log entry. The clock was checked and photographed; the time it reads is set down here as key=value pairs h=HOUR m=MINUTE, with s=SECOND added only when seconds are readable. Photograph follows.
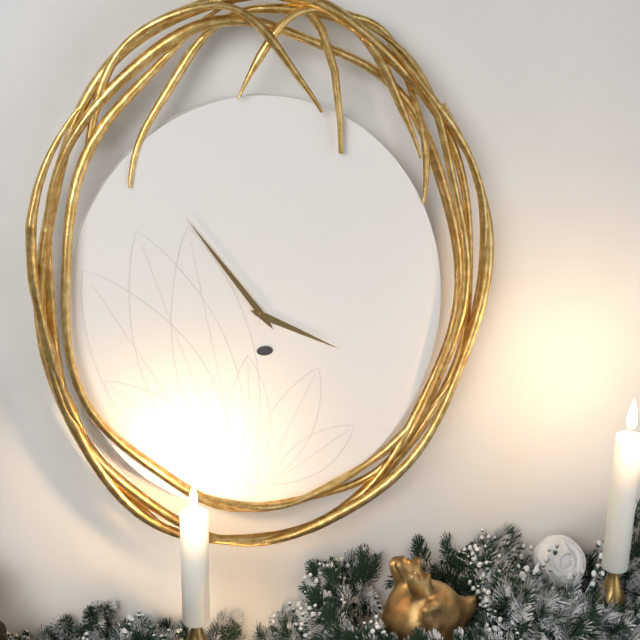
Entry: h=3 m=54
